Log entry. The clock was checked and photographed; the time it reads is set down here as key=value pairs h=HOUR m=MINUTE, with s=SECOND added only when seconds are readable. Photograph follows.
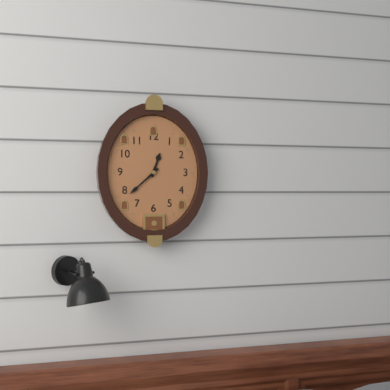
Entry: h=12 m=38
